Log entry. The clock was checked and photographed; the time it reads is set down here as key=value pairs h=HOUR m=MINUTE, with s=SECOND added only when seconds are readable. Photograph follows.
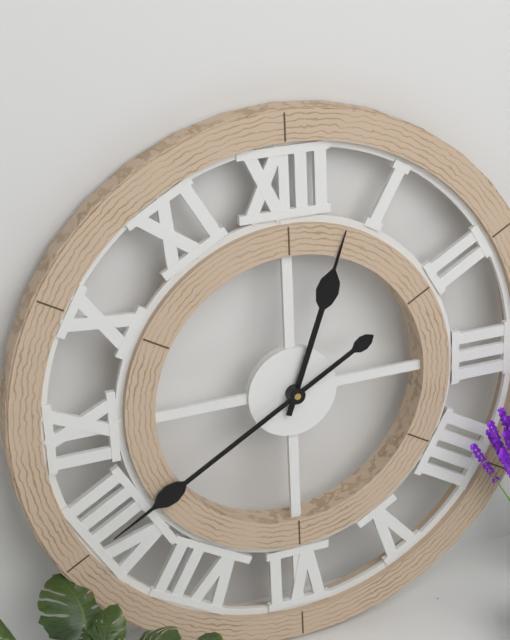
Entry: h=12 m=40
